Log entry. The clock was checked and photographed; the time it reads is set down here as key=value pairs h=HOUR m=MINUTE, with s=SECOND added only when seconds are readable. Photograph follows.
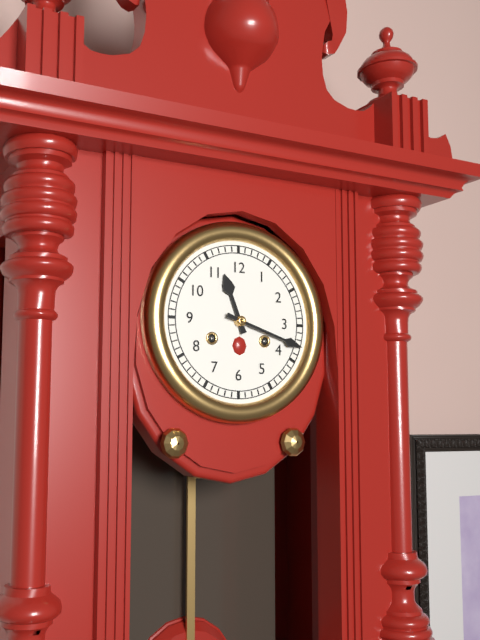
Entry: h=11 m=18
